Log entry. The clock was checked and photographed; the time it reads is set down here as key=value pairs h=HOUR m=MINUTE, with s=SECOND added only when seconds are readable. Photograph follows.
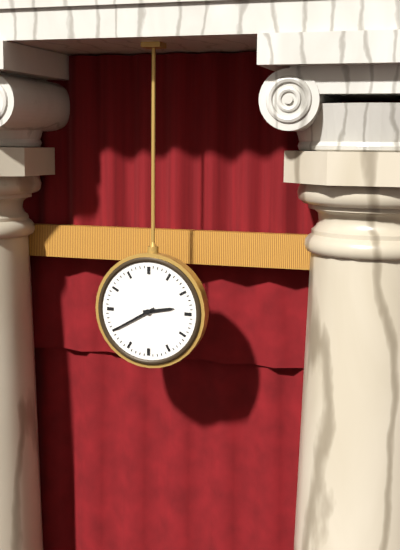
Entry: h=2 m=40
